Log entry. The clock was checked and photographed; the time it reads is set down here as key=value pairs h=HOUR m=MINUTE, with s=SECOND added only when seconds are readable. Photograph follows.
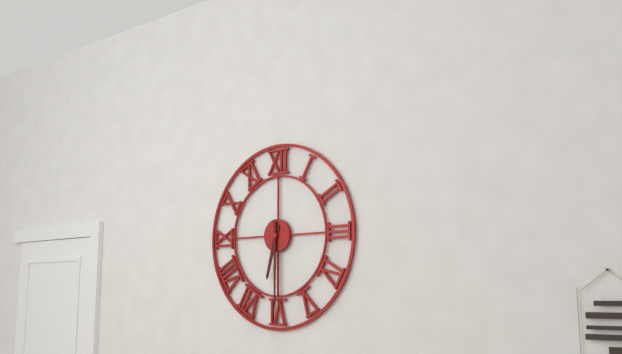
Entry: h=6 m=30
